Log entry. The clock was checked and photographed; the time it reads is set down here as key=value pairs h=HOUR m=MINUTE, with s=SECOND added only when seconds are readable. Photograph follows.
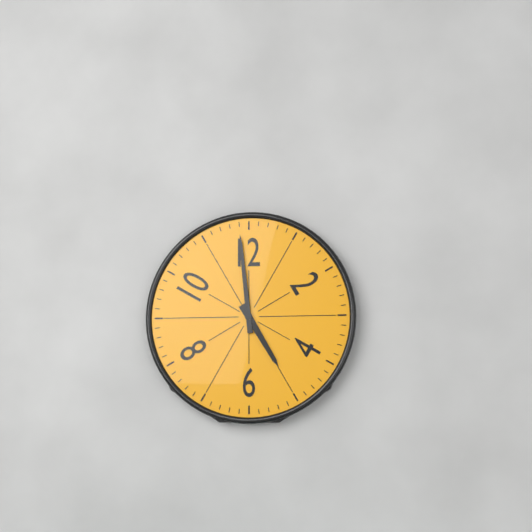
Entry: h=4 m=59
